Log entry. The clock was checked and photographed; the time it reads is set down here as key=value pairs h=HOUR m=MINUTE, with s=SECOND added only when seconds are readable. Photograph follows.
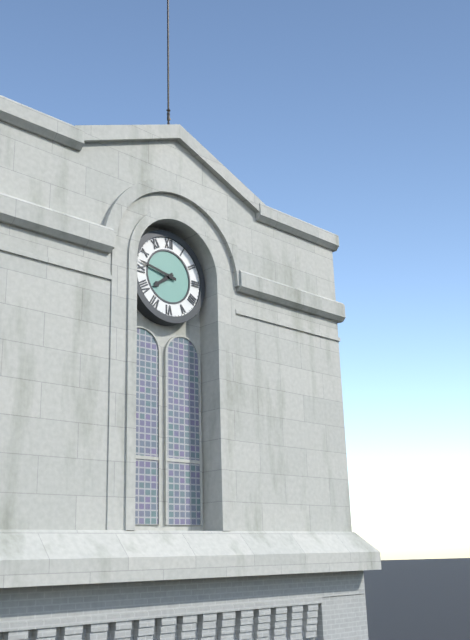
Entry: h=7 m=47
